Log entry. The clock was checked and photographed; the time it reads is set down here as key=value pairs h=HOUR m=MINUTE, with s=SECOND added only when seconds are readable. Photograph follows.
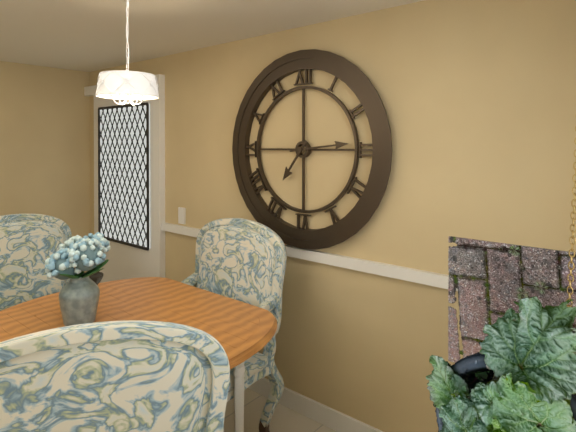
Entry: h=7 m=14
